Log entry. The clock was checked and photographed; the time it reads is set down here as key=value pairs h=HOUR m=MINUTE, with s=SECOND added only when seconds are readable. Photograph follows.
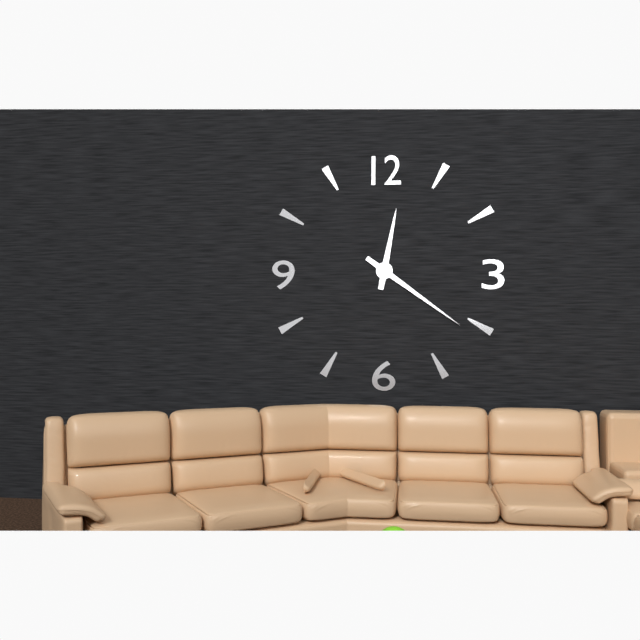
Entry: h=12 m=21
